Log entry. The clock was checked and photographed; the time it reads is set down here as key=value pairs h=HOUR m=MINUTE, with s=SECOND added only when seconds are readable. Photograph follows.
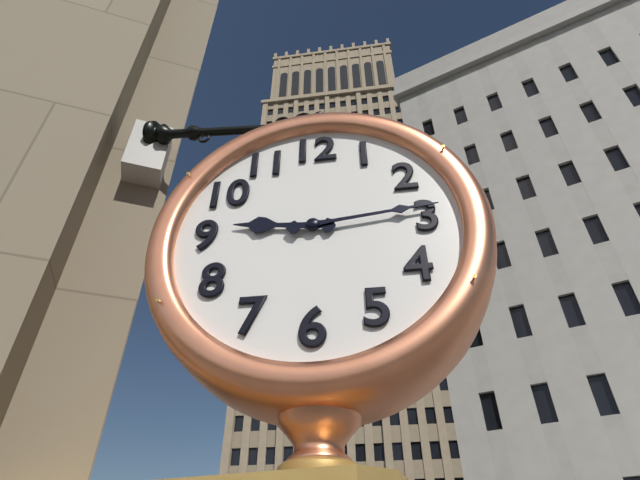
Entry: h=9 m=14
